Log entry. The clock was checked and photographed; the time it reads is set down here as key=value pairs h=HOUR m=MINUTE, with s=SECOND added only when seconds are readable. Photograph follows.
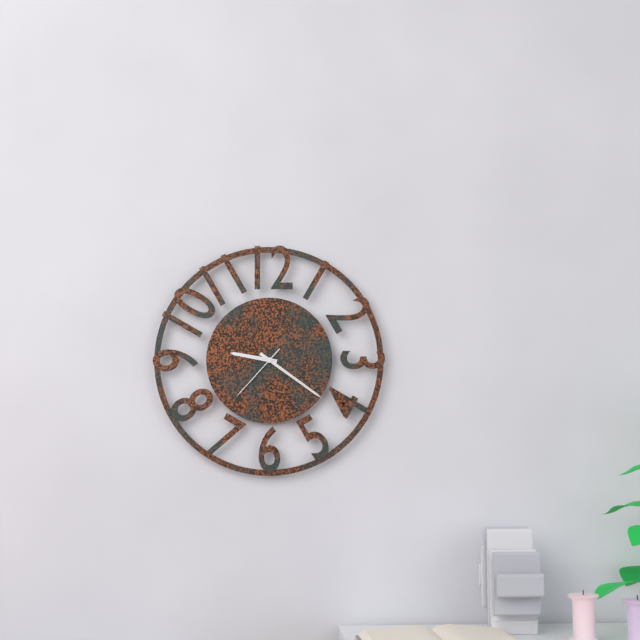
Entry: h=9 m=21 s=37
